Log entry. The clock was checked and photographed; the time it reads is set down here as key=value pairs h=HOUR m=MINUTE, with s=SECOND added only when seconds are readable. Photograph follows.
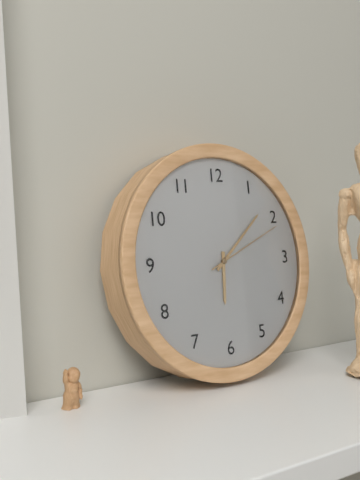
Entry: h=6 m=8 s=11
